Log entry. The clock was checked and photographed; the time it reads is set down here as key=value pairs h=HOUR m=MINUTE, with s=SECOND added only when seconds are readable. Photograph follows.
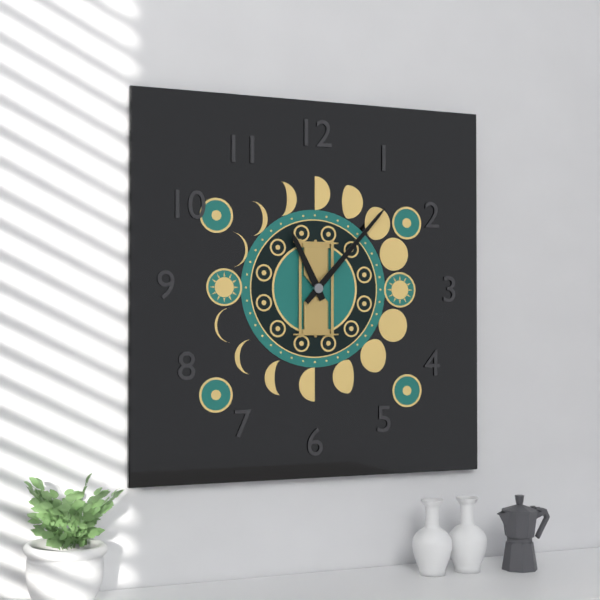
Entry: h=11 m=7
